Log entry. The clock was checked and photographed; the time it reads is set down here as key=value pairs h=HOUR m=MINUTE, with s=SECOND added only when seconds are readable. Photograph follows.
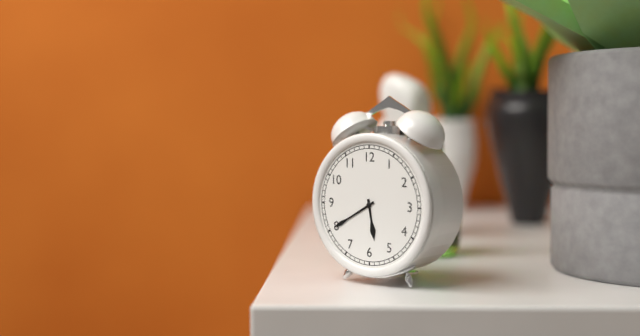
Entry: h=5 m=40
